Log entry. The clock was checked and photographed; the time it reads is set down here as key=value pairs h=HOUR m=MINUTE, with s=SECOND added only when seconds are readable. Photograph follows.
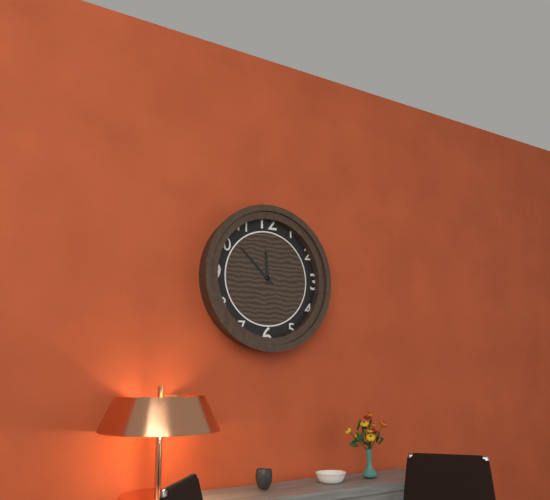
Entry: h=11 m=52
